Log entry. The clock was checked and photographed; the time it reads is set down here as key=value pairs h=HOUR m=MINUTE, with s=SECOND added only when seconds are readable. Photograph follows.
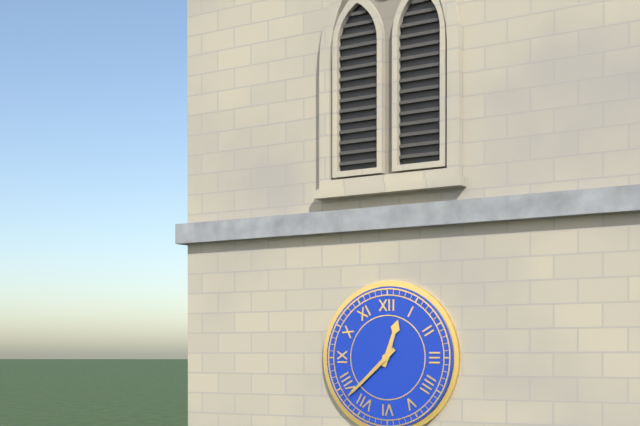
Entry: h=12 m=38
